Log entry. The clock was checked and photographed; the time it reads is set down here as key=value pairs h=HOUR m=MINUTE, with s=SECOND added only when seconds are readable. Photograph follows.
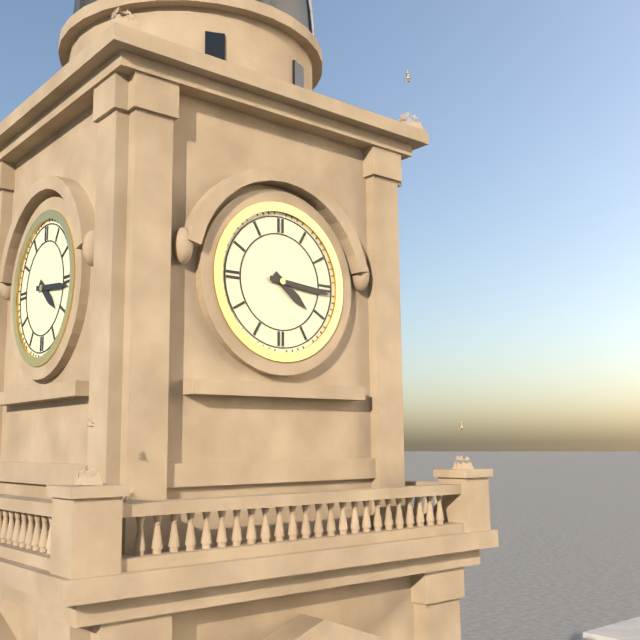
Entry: h=4 m=16
